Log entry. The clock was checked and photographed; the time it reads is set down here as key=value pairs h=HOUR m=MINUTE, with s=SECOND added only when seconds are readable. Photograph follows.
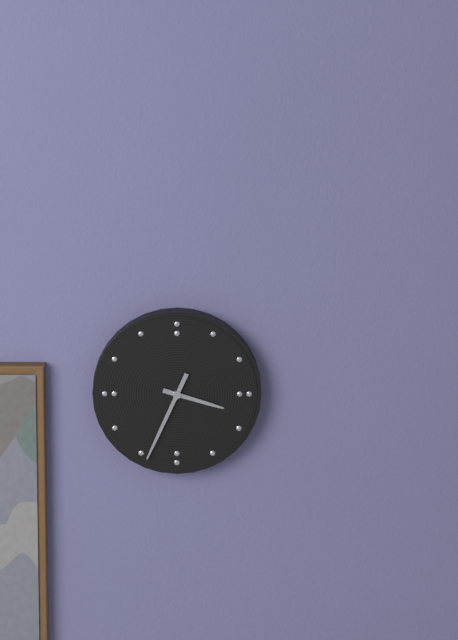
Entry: h=3 m=34
